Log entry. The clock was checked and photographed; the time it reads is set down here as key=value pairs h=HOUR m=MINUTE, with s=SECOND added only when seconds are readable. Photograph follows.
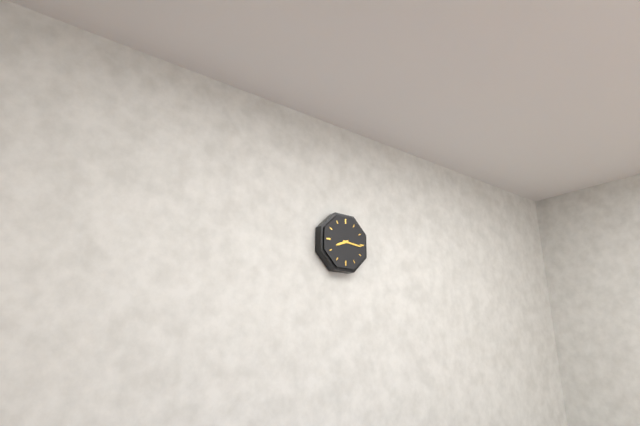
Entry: h=8 m=16
